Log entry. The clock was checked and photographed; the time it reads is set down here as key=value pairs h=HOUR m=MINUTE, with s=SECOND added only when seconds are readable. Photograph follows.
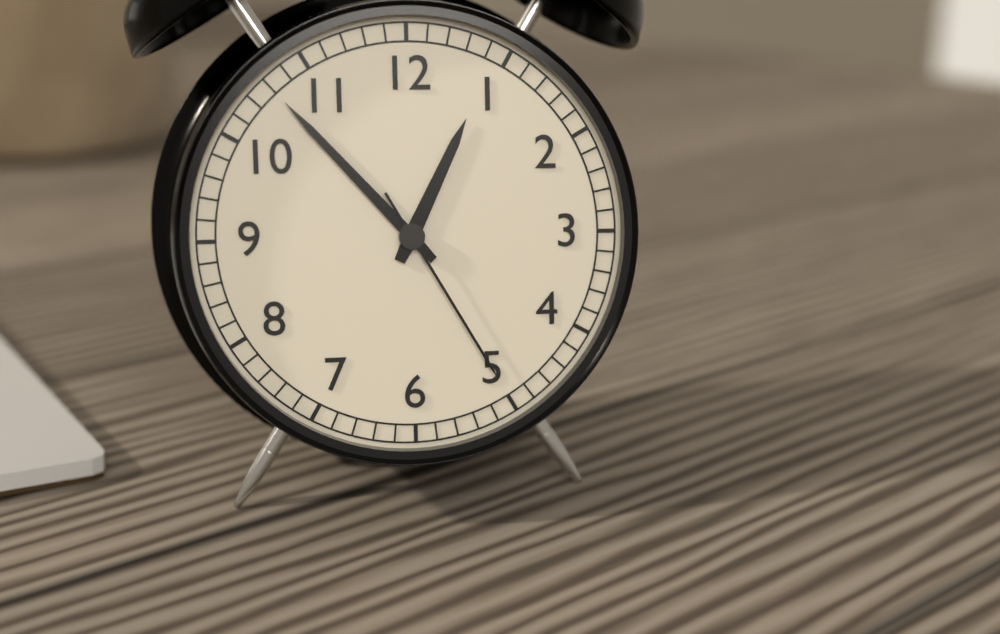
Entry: h=12 m=53 s=25
